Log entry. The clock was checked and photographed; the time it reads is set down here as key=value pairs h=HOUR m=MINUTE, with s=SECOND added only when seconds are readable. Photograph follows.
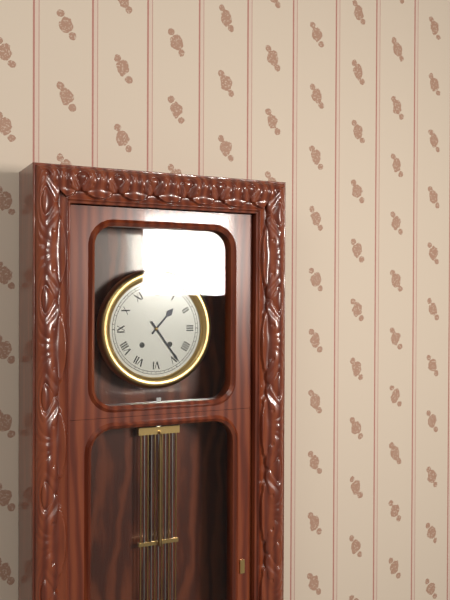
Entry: h=1 m=24
